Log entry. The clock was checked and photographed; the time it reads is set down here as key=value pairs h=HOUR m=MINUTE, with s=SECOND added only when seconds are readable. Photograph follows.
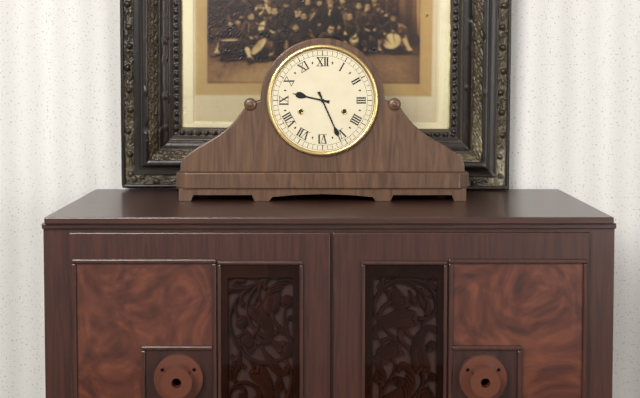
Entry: h=9 m=26
